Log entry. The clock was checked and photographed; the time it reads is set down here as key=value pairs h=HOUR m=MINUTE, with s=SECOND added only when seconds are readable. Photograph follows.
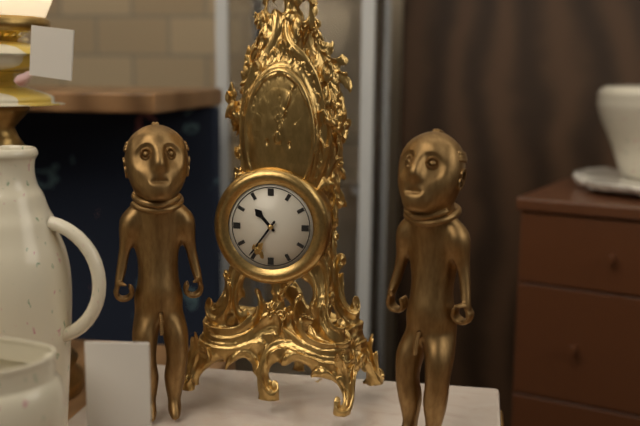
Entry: h=10 m=36
